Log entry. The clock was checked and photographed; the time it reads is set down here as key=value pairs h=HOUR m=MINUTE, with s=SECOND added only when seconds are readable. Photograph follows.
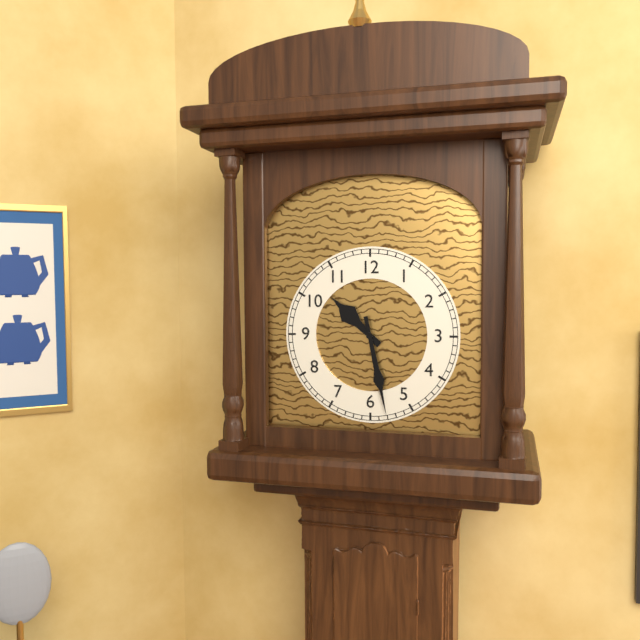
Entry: h=10 m=28
